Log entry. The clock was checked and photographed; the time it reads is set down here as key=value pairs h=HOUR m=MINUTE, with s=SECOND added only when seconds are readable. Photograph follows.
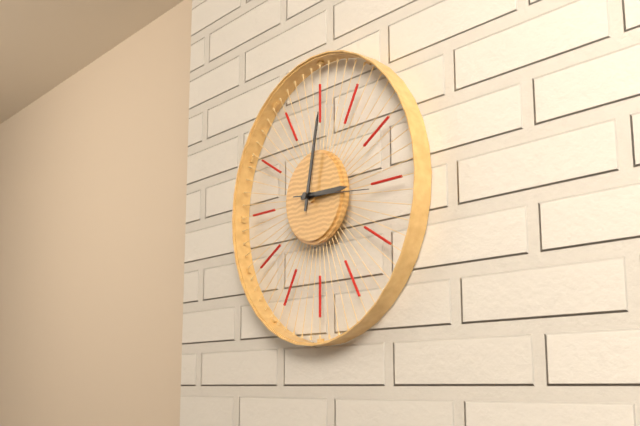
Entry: h=3 m=2 s=16
